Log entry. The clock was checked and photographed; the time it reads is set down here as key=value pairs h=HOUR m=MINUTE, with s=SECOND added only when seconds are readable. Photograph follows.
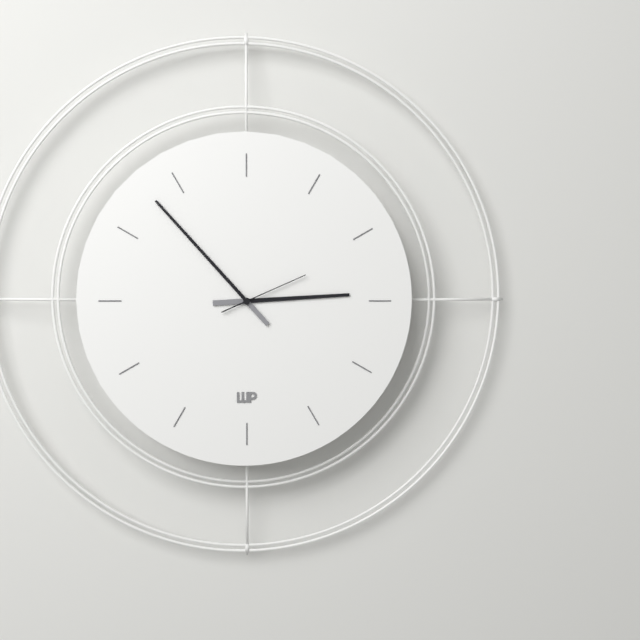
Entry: h=2 m=53 s=11
